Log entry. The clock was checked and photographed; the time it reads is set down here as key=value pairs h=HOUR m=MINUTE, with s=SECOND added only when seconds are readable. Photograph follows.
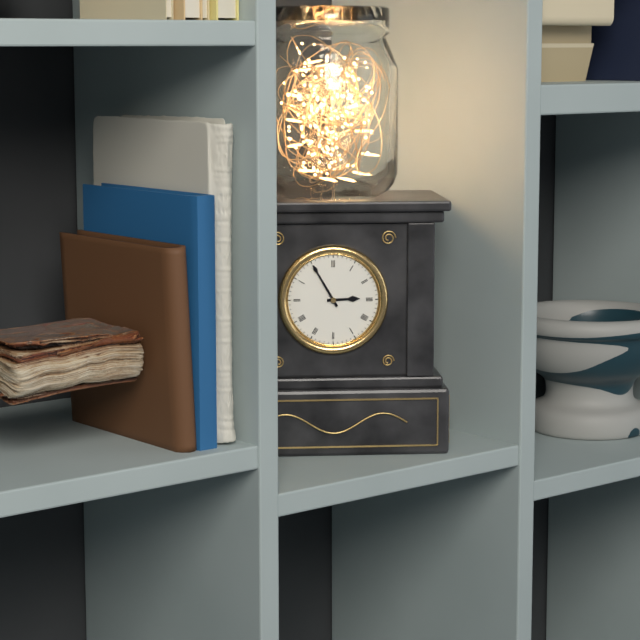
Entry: h=2 m=55
